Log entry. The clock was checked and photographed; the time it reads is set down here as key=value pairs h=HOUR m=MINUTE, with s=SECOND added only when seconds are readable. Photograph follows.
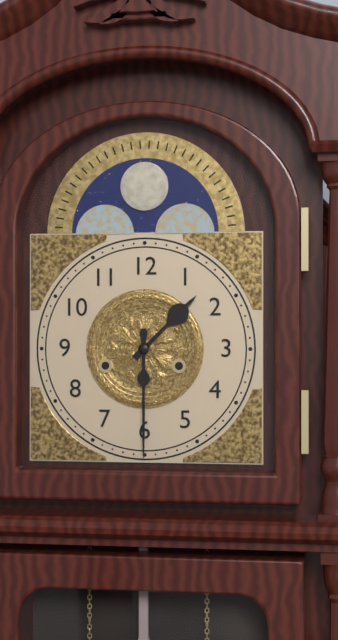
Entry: h=1 m=30
